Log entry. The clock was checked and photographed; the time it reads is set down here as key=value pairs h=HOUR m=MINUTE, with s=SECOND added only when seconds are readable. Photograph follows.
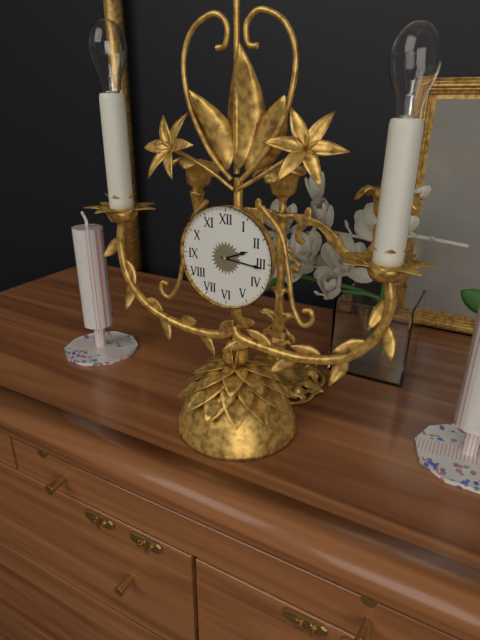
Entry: h=2 m=16
